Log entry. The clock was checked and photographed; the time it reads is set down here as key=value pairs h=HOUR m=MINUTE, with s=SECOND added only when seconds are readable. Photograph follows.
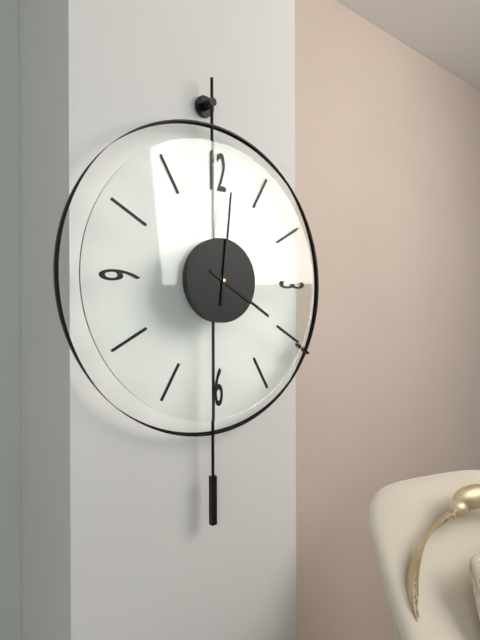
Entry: h=4 m=1
